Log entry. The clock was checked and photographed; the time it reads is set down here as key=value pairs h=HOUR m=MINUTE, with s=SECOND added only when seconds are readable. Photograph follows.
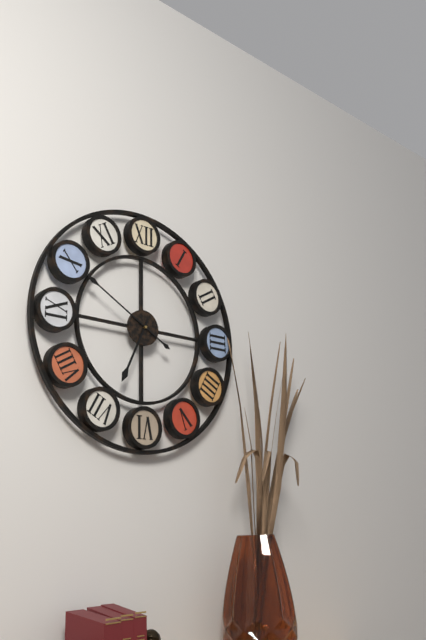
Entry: h=6 m=50
